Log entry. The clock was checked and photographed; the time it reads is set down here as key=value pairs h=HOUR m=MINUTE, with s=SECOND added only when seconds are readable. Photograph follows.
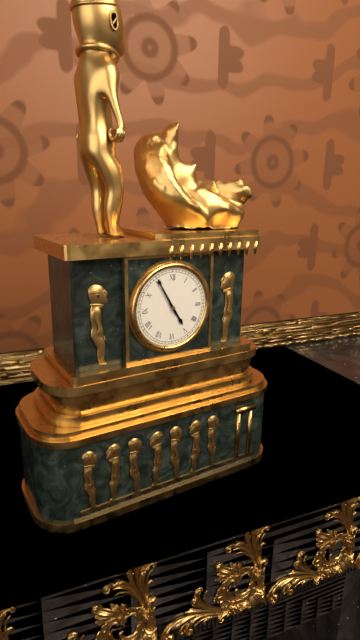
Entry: h=4 m=55
